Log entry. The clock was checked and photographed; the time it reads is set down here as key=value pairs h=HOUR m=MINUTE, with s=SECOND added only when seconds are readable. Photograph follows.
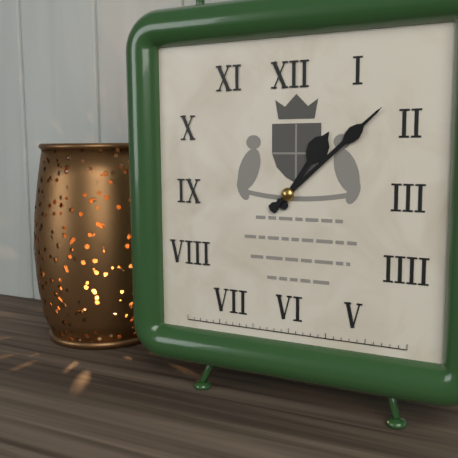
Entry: h=1 m=8
